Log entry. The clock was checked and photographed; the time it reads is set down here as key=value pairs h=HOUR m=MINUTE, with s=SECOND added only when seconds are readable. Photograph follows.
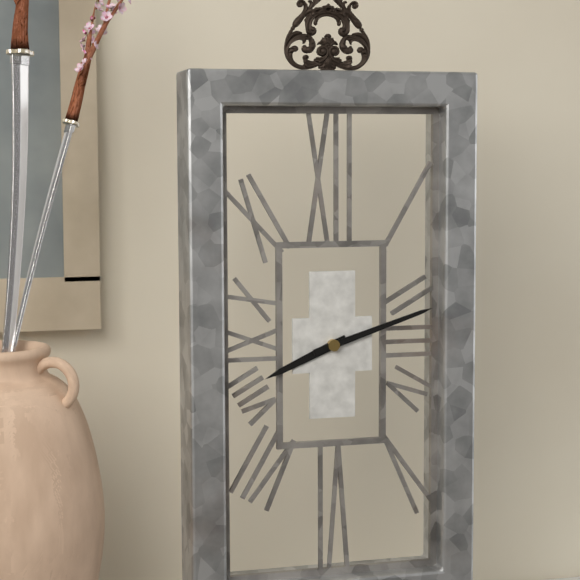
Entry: h=8 m=12
